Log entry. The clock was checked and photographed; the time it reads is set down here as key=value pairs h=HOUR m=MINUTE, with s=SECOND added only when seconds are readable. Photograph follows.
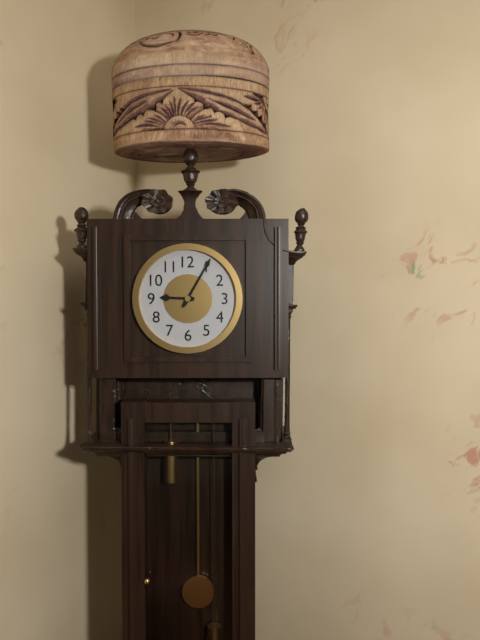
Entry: h=9 m=5
